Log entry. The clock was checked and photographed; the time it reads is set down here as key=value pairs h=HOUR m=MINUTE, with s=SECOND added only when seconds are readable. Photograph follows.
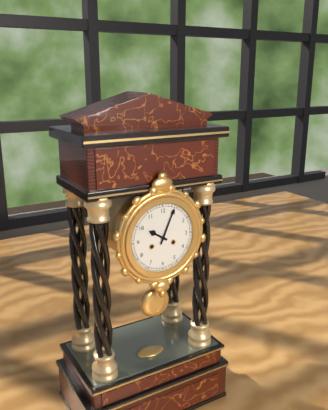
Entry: h=10 m=4
